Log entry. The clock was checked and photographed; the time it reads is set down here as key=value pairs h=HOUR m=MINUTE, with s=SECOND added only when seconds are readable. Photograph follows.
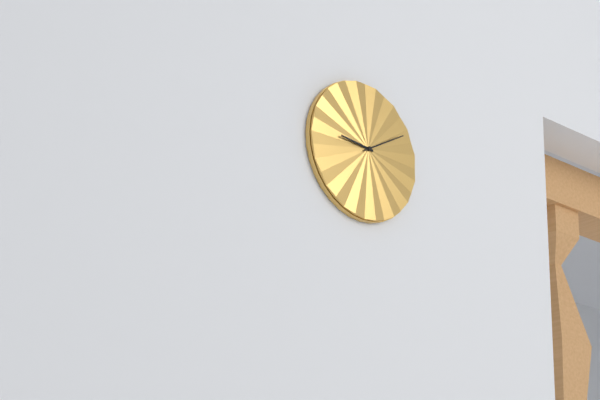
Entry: h=9 m=10
